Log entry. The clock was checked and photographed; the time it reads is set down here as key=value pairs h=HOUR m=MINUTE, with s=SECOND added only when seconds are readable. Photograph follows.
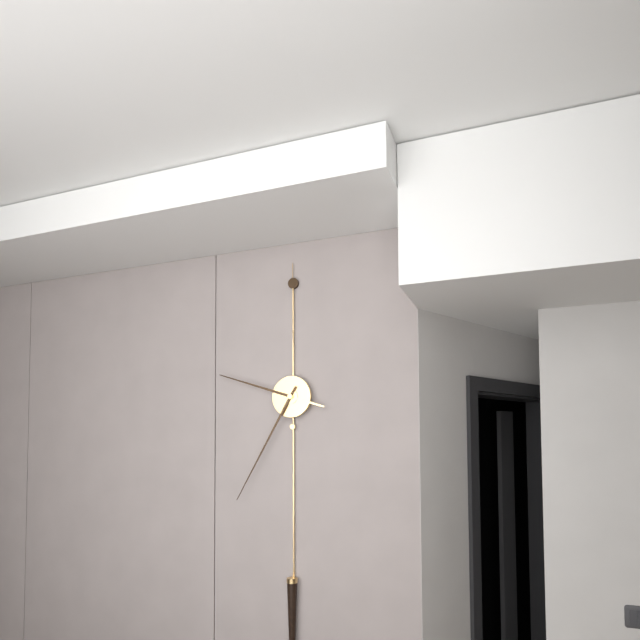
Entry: h=9 m=35
